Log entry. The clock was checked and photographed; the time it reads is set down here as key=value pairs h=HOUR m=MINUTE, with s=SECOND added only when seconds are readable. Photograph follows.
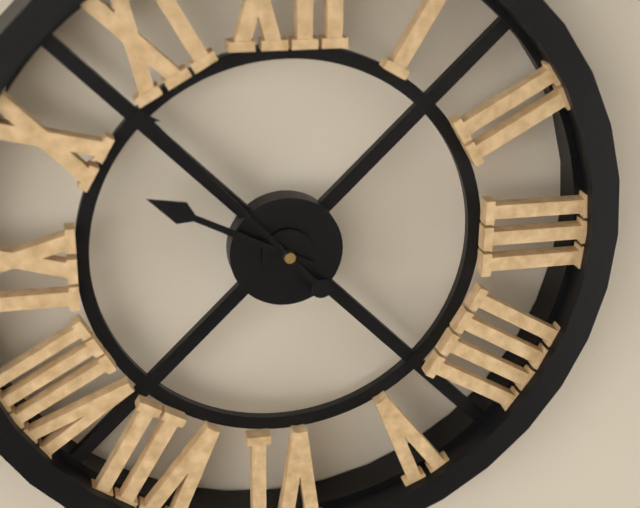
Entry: h=9 m=53
